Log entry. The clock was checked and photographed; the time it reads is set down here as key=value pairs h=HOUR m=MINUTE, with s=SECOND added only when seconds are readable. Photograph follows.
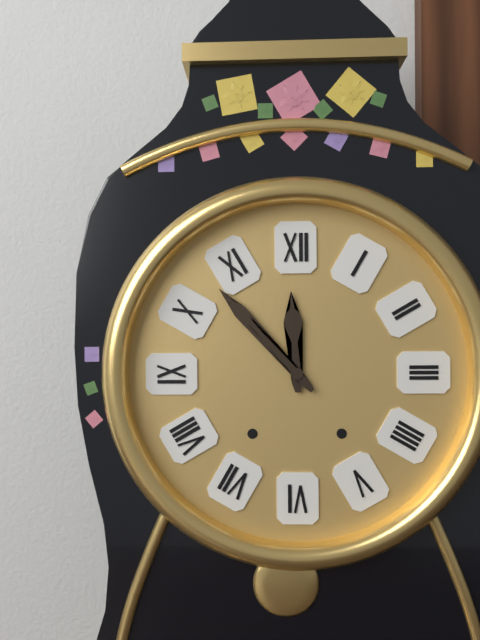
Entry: h=11 m=53
